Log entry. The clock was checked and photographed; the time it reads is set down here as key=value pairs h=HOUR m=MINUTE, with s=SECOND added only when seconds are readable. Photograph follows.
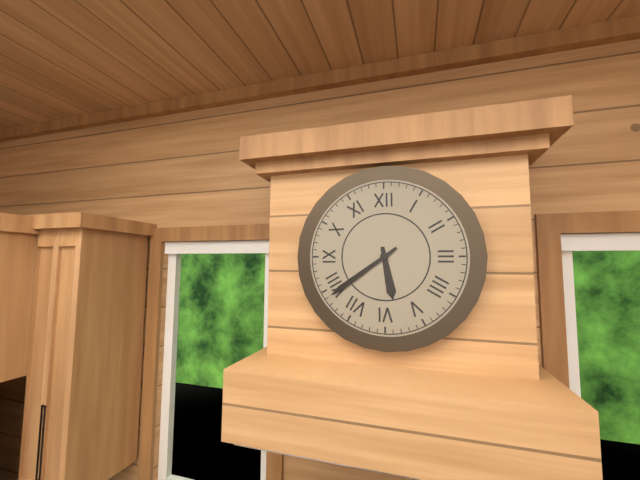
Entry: h=5 m=39
